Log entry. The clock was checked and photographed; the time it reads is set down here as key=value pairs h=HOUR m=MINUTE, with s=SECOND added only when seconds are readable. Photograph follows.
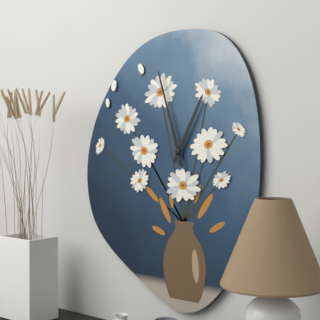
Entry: h=12 m=57
